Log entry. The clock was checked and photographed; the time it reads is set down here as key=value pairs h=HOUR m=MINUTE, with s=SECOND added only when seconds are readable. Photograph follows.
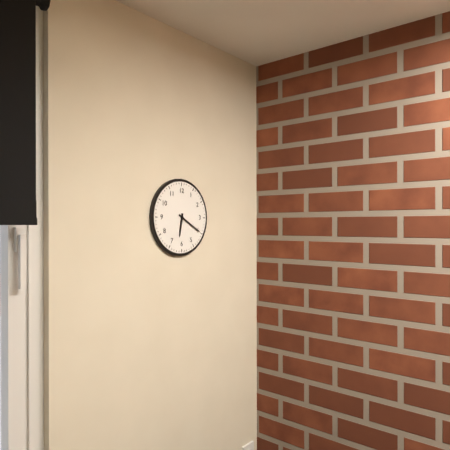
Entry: h=6 m=20
